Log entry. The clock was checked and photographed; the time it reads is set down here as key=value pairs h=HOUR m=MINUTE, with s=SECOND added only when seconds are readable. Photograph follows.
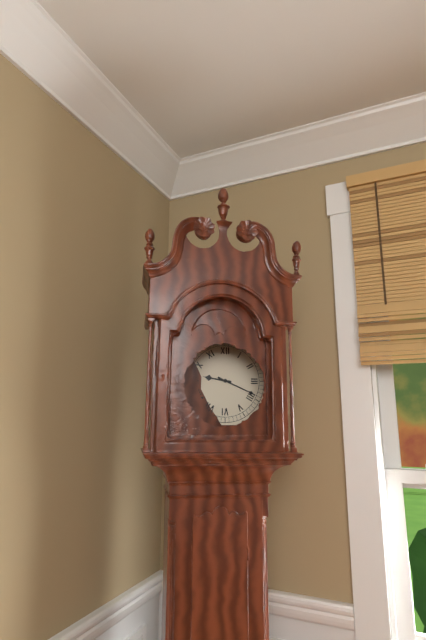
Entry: h=9 m=19
